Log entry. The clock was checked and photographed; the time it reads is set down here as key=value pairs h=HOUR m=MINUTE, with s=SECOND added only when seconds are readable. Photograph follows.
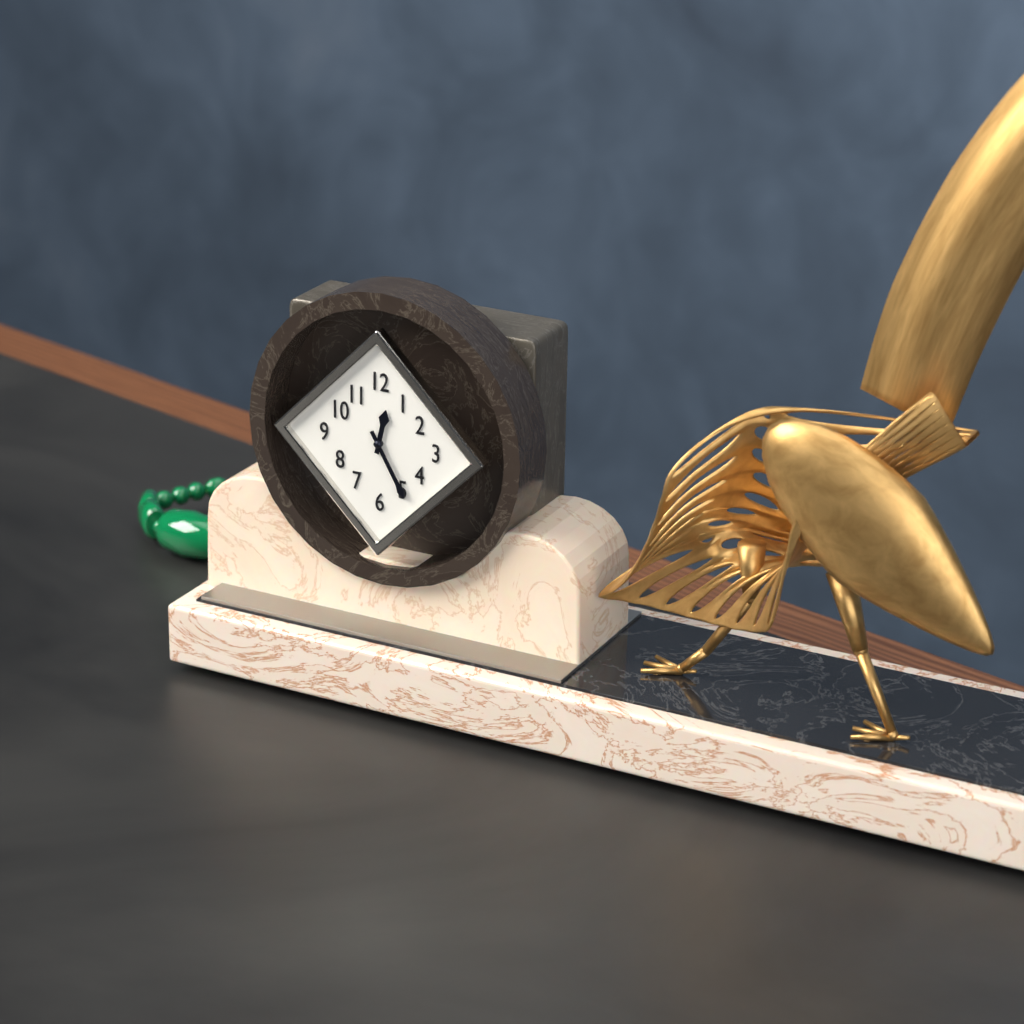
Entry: h=12 m=25
